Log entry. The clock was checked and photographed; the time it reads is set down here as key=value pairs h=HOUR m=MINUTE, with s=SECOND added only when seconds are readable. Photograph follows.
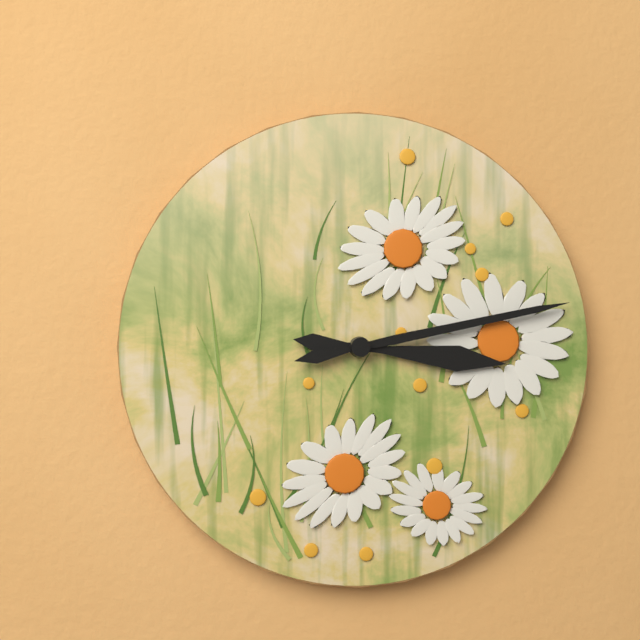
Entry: h=3 m=13
